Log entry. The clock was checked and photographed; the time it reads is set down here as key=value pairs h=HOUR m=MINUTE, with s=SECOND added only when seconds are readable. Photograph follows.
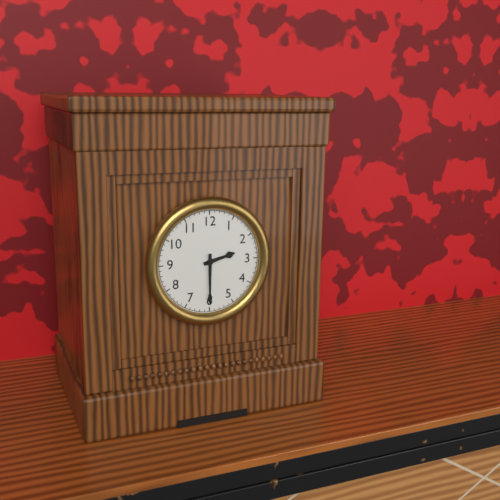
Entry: h=2 m=30
